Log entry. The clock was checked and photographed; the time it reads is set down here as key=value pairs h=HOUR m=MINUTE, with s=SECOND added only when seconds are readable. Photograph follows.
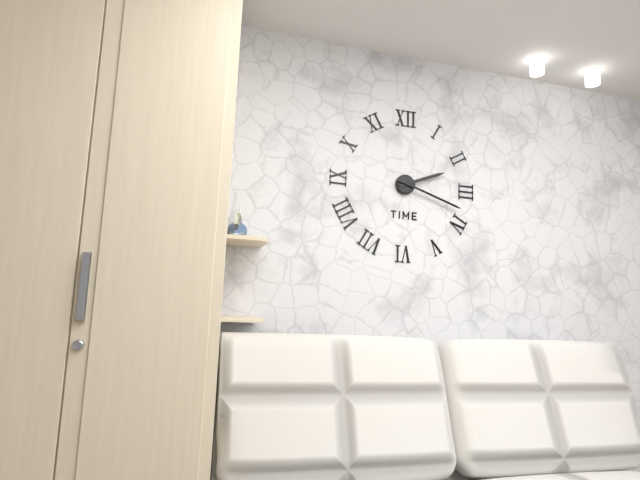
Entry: h=2 m=18
